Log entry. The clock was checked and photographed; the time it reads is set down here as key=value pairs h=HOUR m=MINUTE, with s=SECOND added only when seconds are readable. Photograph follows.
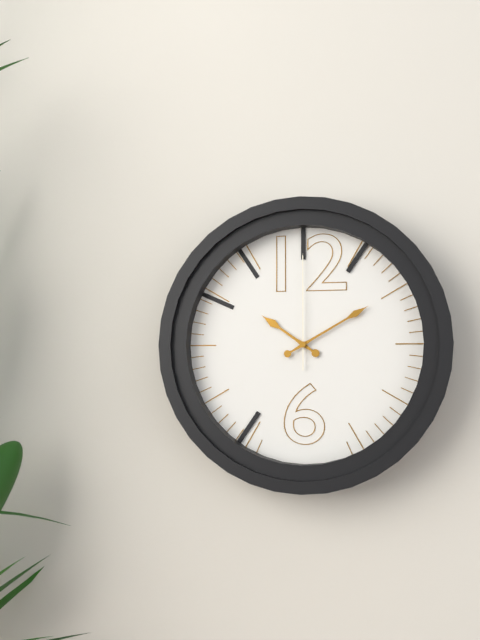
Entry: h=10 m=10 s=0
